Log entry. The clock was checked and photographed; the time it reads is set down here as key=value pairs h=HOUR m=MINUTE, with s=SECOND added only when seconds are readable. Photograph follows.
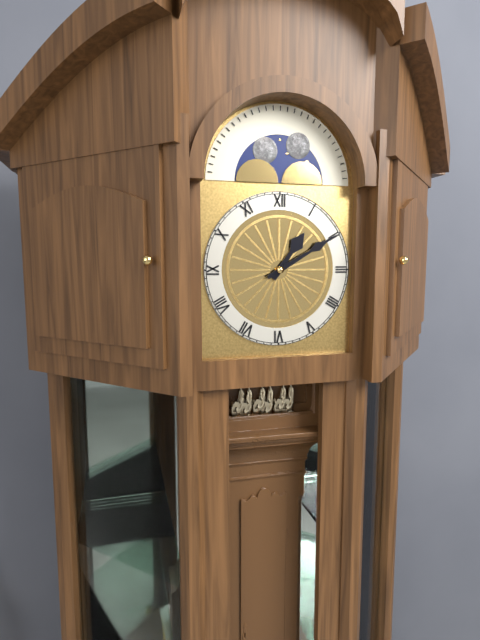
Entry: h=1 m=10
